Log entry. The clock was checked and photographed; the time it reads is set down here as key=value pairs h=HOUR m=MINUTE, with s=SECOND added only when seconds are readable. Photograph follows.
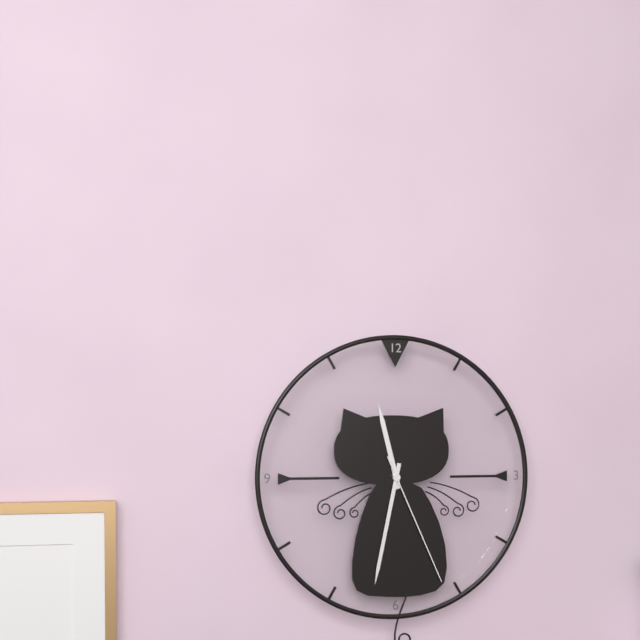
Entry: h=11 m=32 s=26
